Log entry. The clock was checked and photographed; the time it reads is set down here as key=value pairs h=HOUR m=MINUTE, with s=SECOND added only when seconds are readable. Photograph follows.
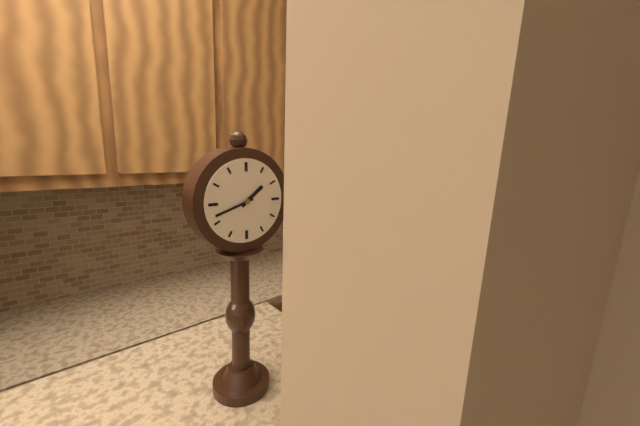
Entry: h=1 m=42
